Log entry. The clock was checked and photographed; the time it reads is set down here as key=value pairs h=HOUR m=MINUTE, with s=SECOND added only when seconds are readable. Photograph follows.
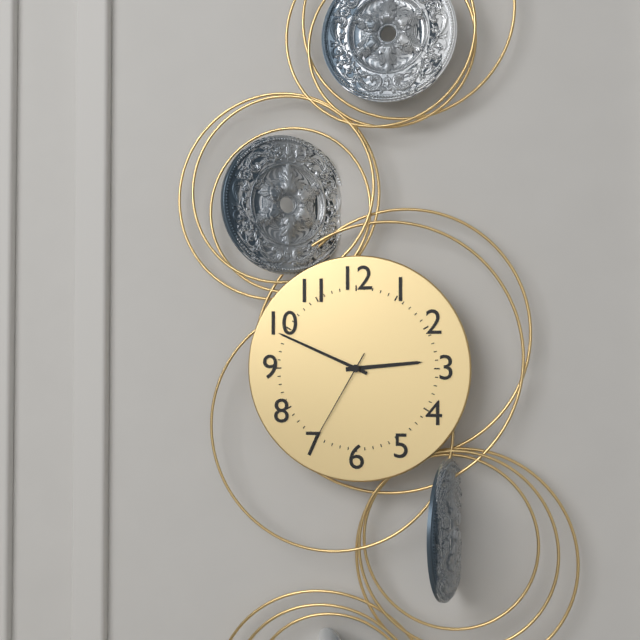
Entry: h=2 m=49 s=35
